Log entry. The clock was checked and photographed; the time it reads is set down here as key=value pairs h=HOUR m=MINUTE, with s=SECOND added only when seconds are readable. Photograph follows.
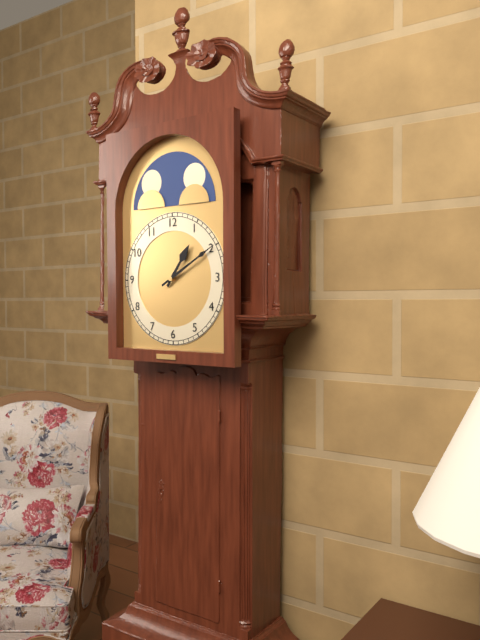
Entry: h=1 m=10
